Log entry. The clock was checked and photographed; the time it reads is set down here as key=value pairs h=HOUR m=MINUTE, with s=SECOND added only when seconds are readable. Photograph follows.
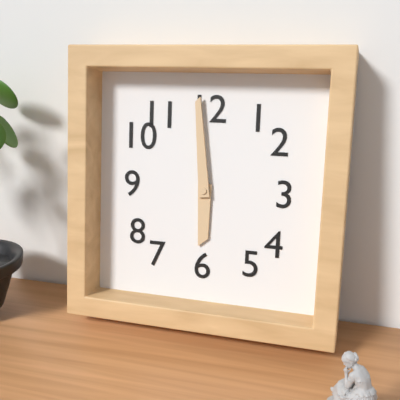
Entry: h=5 m=59
